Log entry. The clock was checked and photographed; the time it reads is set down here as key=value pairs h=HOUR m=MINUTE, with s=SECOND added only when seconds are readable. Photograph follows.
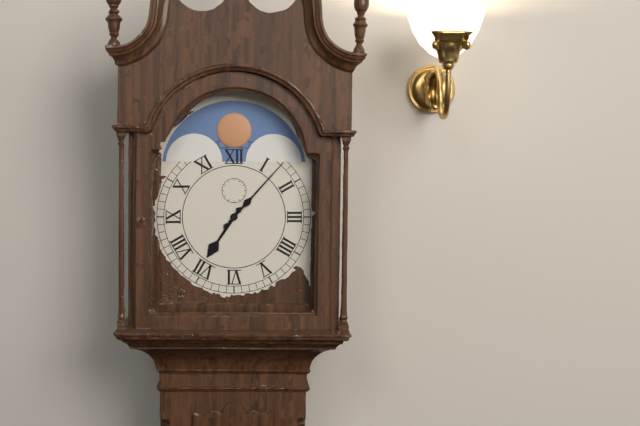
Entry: h=7 m=7
